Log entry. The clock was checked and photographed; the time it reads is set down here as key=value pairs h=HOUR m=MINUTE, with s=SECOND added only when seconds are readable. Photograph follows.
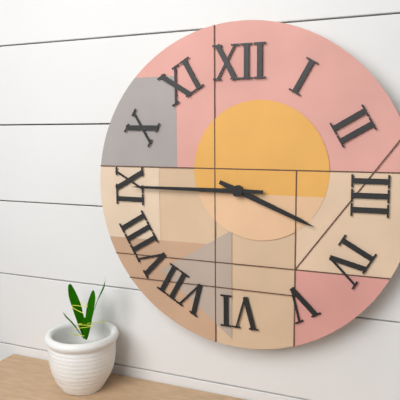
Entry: h=3 m=45
